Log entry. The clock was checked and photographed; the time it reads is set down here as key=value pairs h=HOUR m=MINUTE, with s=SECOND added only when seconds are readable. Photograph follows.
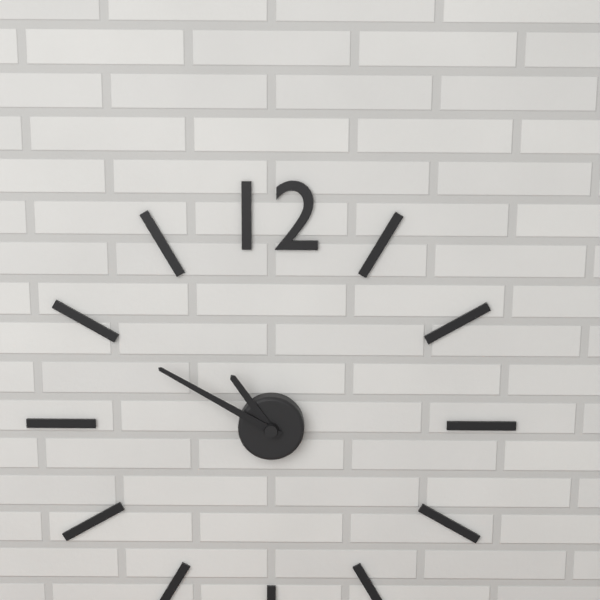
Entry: h=10 m=50
